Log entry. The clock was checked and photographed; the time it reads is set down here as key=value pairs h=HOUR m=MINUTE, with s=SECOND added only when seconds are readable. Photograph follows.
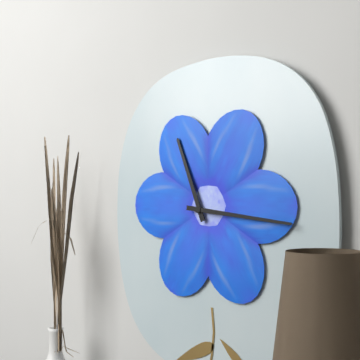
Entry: h=11 m=16
